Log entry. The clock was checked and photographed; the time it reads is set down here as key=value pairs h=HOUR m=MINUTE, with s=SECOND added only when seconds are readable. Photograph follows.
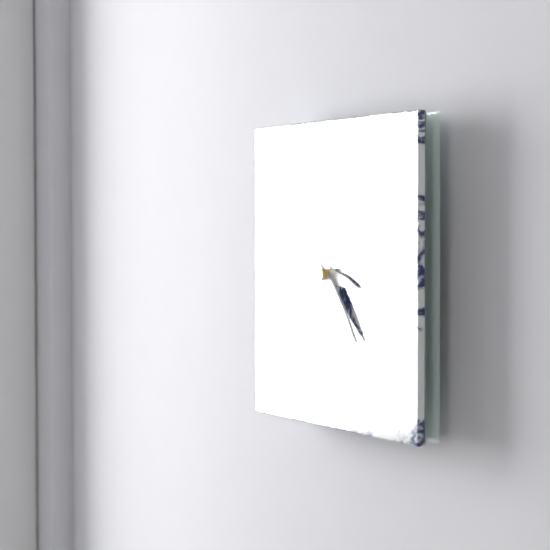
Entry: h=3 m=23
